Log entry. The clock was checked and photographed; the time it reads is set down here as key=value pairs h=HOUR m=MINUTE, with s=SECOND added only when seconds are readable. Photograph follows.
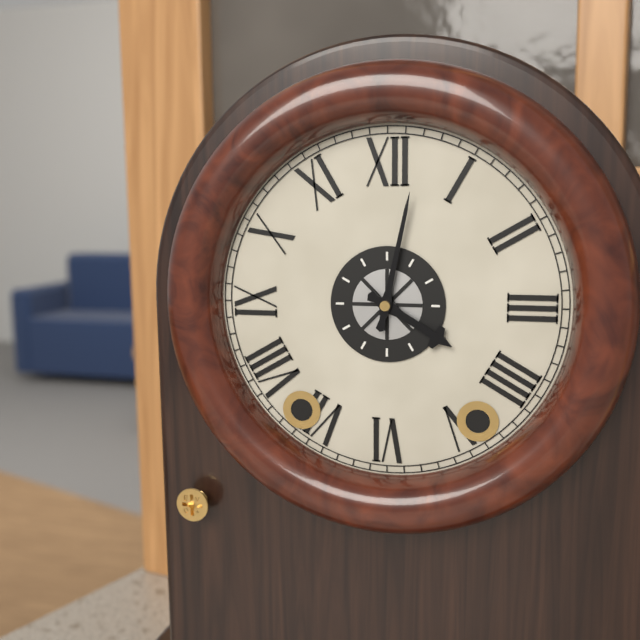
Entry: h=4 m=2
